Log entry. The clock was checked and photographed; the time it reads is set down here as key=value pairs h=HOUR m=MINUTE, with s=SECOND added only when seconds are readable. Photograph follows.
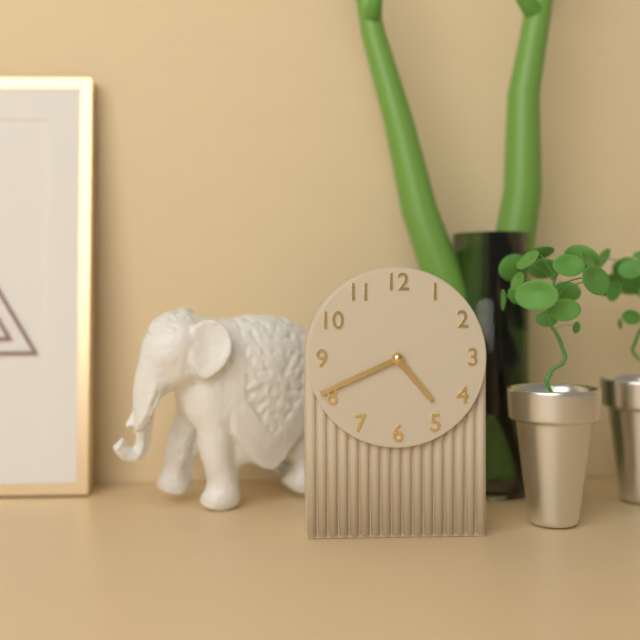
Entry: h=4 m=41
